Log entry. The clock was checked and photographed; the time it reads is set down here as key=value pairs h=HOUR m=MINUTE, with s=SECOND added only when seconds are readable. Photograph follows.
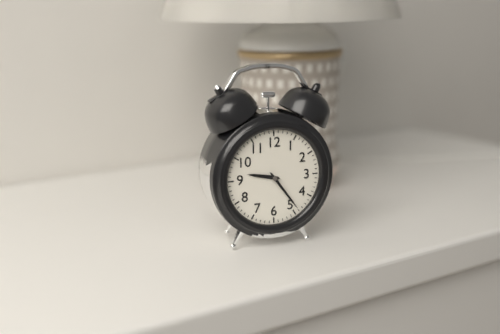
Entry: h=9 m=24
